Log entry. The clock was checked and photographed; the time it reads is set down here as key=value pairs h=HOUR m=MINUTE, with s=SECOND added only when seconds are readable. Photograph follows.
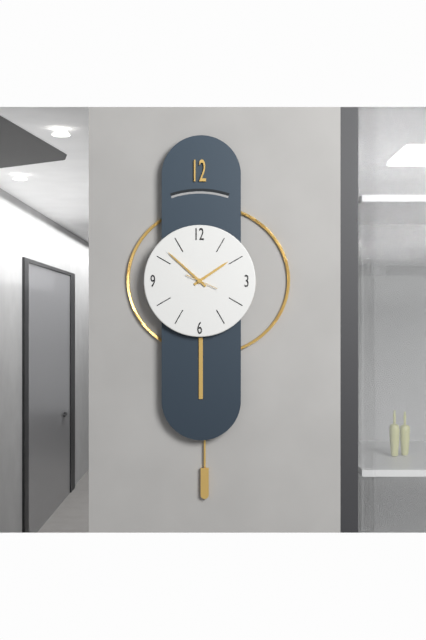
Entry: h=1 m=52
